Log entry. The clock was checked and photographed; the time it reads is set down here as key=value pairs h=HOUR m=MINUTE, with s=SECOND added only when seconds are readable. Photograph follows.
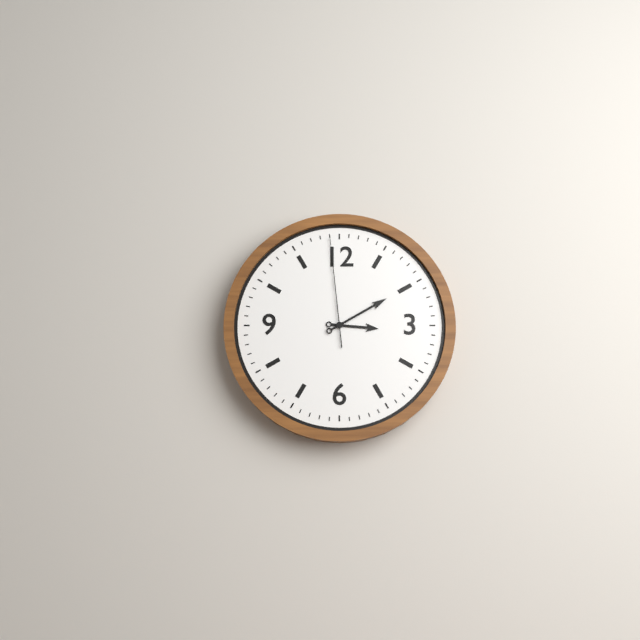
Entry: h=3 m=10 s=59
